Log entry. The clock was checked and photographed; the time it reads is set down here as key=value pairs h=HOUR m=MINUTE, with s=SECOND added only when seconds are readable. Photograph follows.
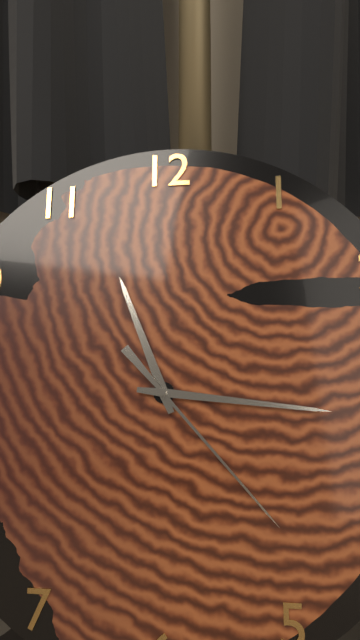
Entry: h=11 m=16 s=23
